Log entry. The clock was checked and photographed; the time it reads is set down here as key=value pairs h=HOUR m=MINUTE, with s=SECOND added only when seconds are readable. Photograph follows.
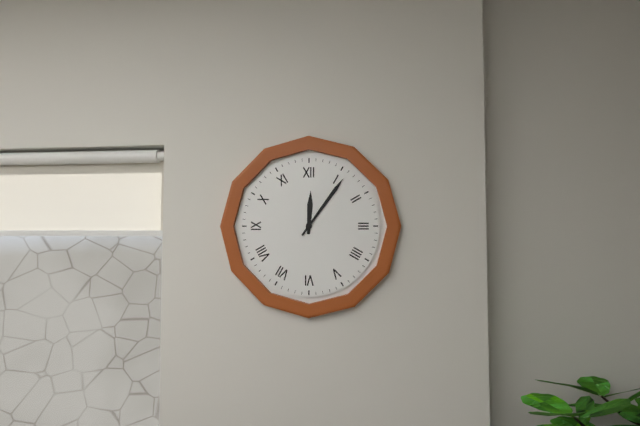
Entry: h=12 m=6
